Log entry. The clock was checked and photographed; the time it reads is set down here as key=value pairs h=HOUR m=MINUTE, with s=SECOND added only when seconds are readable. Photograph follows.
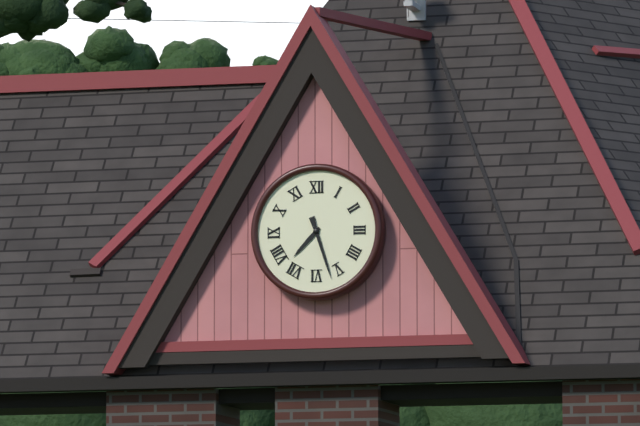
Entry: h=7 m=27
